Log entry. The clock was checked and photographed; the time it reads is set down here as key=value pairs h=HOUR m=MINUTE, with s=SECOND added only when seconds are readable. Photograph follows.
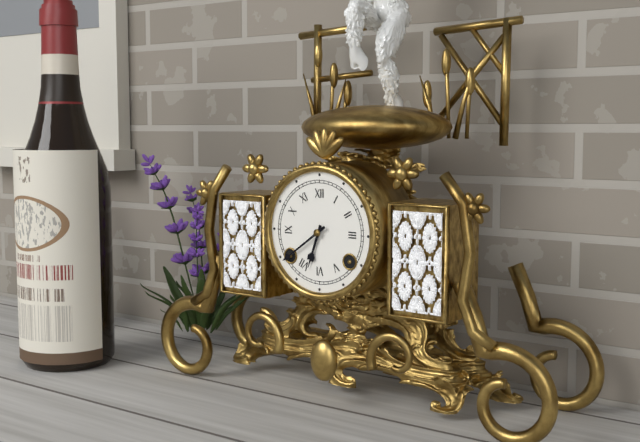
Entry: h=6 m=39
